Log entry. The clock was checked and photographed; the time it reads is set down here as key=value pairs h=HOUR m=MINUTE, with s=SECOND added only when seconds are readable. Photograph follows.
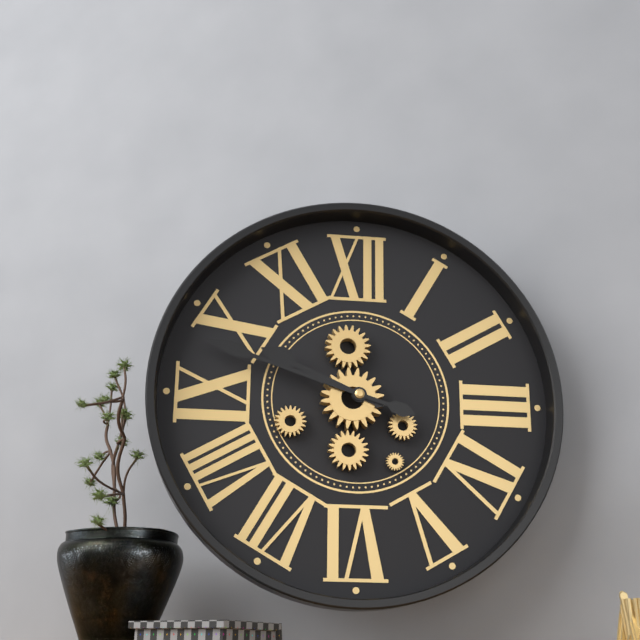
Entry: h=9 m=48
